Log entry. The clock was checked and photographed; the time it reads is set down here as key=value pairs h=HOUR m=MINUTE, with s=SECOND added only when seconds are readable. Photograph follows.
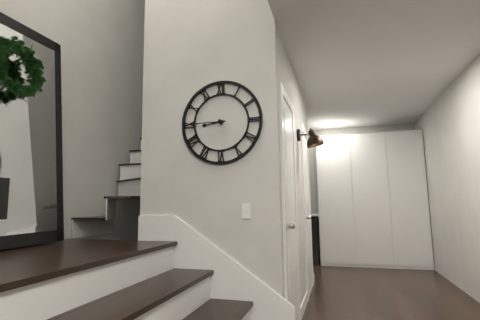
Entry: h=8 m=45
